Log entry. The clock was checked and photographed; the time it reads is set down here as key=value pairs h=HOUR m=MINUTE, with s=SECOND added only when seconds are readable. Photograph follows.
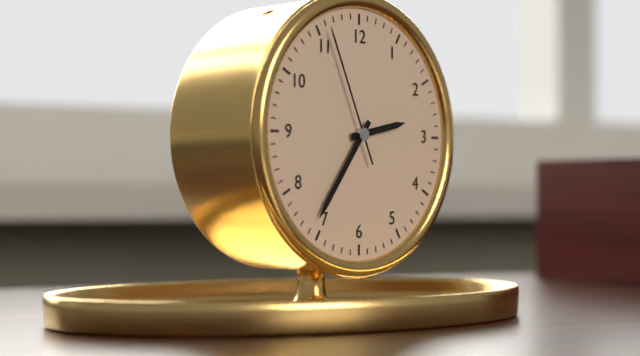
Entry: h=2 m=36 s=56
